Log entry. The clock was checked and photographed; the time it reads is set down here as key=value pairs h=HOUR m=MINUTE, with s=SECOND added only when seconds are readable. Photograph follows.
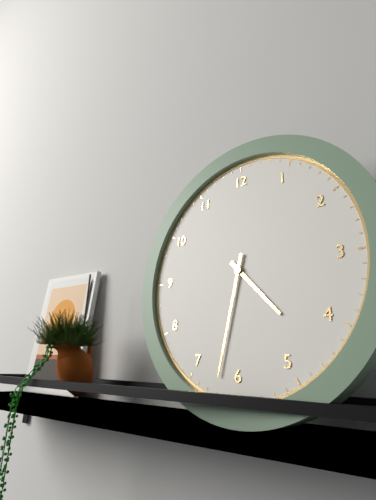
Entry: h=4 m=32
